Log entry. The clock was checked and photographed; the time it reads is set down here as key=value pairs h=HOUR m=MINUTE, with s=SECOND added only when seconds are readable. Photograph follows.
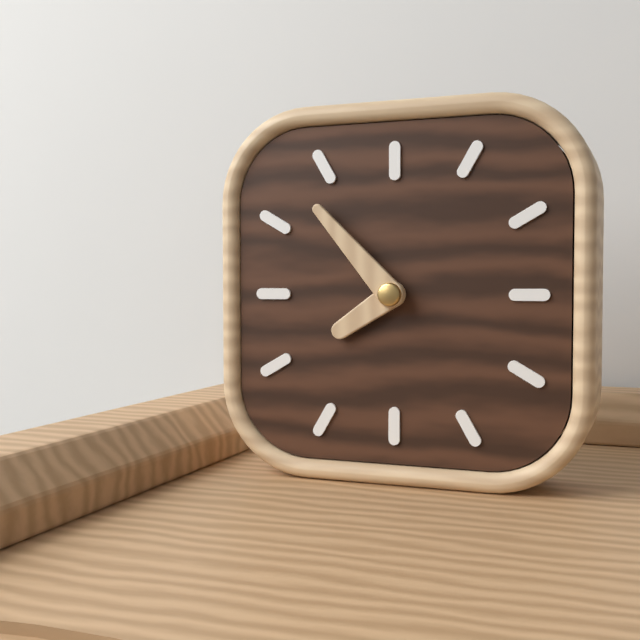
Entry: h=7 m=53
